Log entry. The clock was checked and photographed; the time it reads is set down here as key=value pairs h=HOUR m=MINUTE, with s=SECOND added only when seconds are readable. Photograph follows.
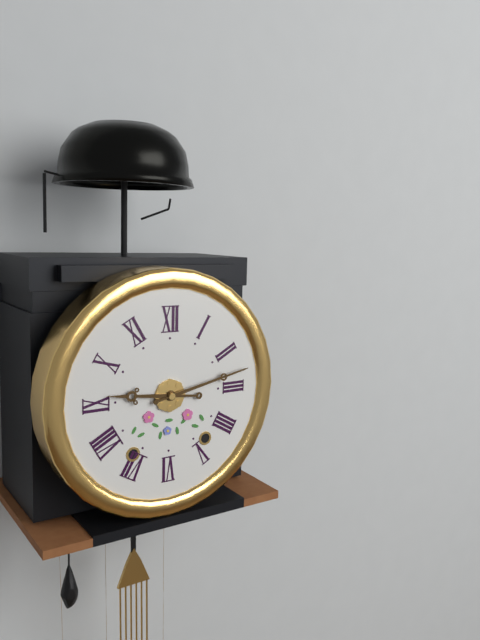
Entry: h=9 m=13
